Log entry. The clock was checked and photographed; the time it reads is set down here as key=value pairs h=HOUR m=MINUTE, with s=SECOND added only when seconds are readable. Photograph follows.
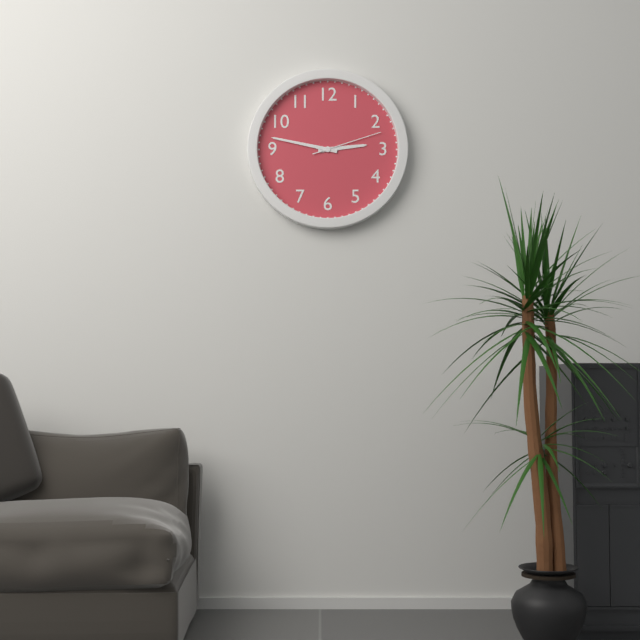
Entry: h=2 m=47 s=12
